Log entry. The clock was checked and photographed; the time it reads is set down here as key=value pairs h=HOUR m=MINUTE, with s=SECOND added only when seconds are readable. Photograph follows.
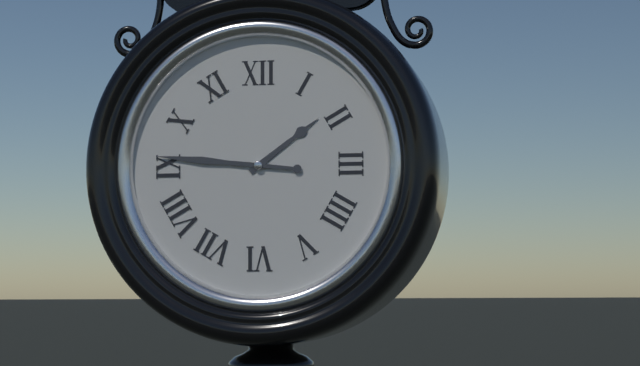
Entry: h=1 m=46
